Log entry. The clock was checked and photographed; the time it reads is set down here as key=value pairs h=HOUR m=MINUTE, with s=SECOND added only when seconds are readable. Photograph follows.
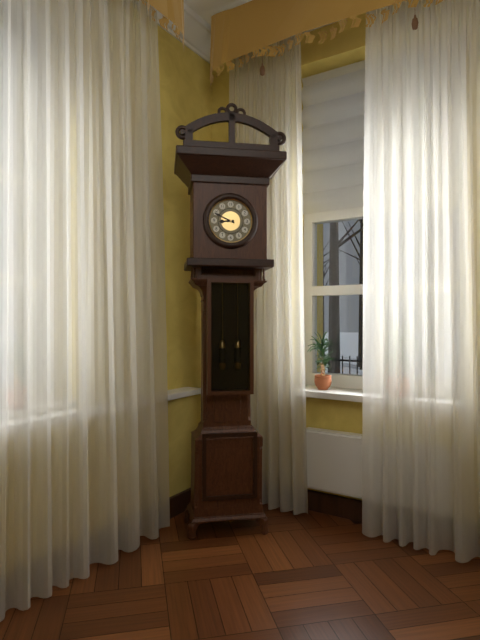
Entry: h=8 m=49
